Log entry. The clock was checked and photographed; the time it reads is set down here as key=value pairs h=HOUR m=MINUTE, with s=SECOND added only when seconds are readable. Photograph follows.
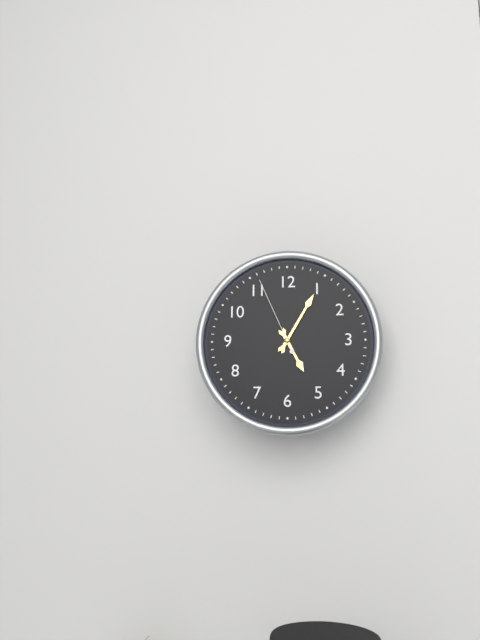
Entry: h=5 m=5 s=56
